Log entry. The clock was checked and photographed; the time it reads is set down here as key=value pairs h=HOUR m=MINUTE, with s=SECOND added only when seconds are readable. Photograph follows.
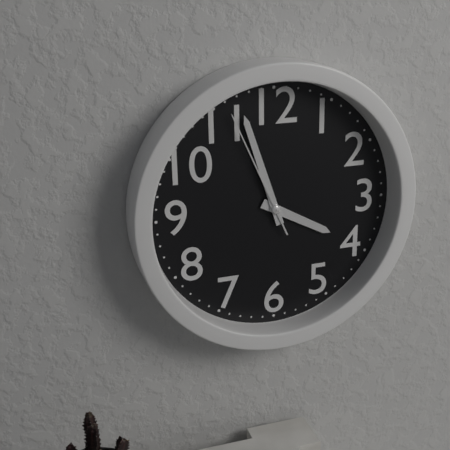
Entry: h=3 m=57 s=56
